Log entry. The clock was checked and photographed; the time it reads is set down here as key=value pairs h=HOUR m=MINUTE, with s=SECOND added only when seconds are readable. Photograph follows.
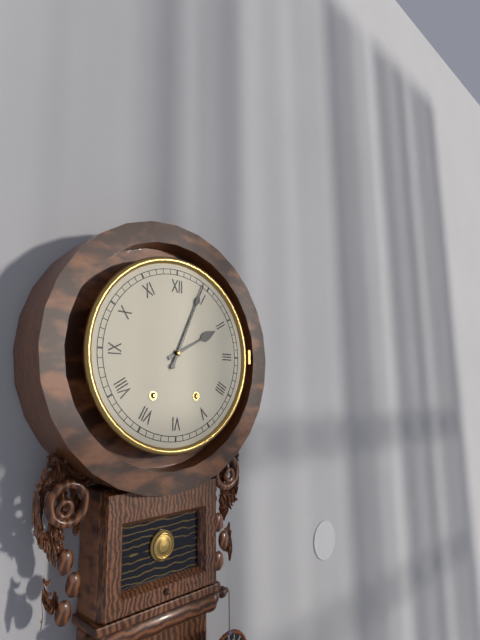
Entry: h=2 m=4
